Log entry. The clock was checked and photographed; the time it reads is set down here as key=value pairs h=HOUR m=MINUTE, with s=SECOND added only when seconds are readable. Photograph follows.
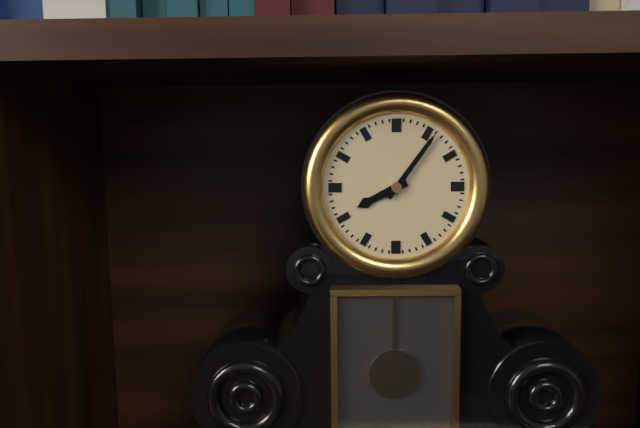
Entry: h=8 m=6
